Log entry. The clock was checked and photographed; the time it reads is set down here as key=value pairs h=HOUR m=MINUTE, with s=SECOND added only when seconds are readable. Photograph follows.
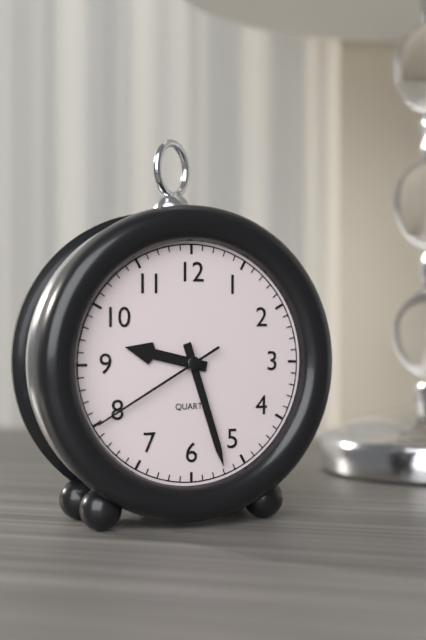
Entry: h=9 m=27 s=40
